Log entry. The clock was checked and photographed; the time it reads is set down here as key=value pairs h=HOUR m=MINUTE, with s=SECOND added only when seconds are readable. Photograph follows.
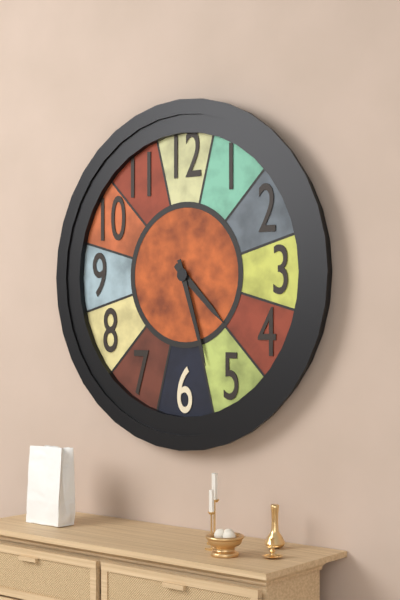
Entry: h=4 m=27
